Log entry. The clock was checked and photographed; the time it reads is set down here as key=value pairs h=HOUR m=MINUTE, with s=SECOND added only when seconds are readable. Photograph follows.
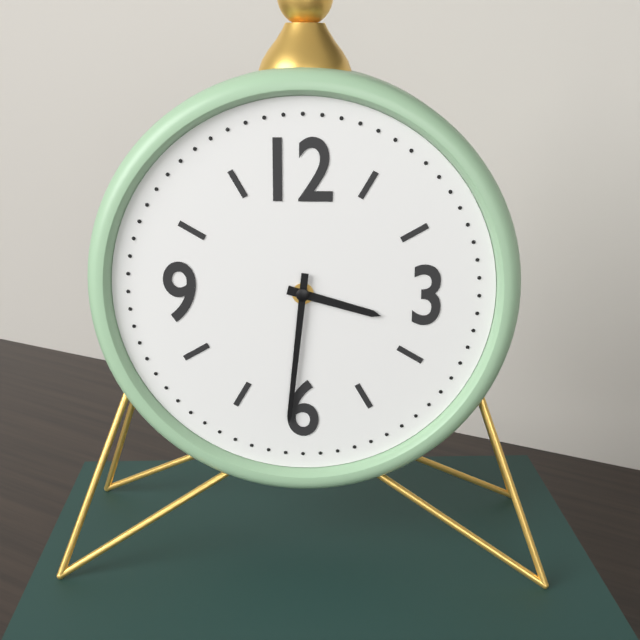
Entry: h=3 m=31
